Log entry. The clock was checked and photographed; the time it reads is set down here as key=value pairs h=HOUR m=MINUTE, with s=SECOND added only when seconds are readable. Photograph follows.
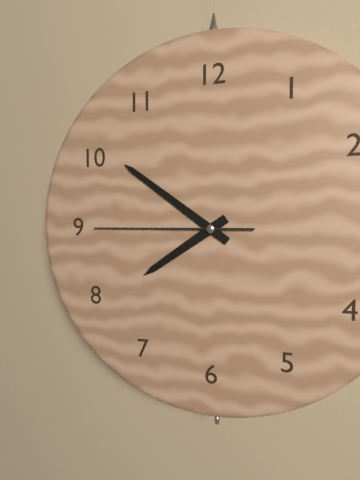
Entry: h=7 m=51 s=45
